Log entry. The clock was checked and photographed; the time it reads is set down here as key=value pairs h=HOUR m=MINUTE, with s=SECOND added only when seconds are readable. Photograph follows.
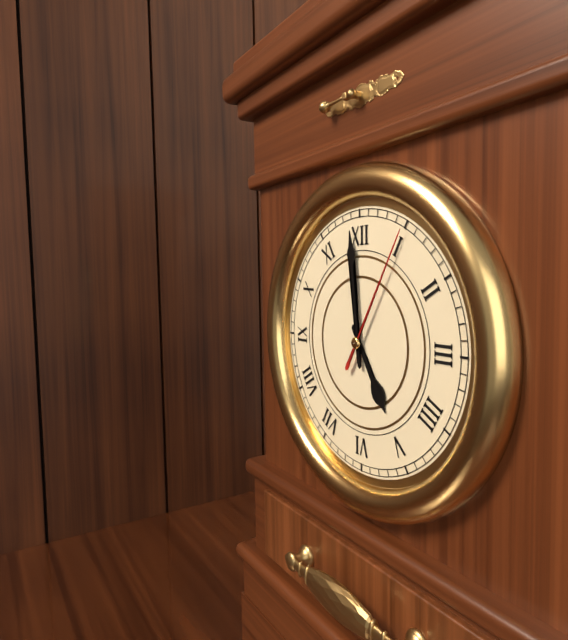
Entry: h=4 m=59 s=5
